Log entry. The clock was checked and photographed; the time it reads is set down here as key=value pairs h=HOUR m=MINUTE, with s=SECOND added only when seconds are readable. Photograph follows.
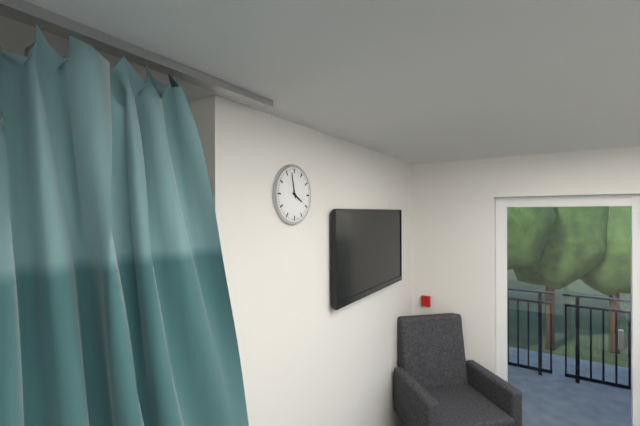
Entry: h=3 m=58
